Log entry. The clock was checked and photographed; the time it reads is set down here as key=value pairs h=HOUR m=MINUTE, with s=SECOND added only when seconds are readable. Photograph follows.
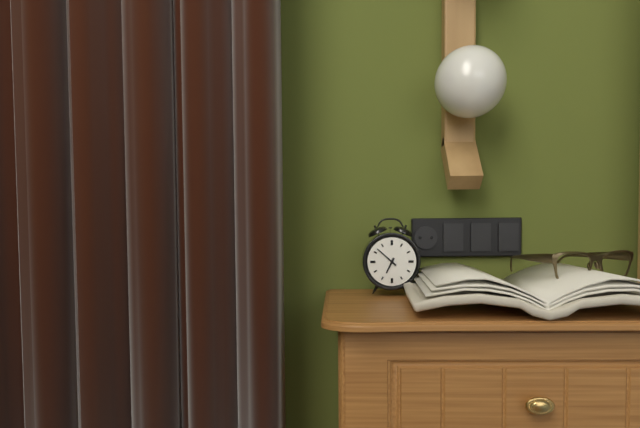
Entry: h=6 m=52
